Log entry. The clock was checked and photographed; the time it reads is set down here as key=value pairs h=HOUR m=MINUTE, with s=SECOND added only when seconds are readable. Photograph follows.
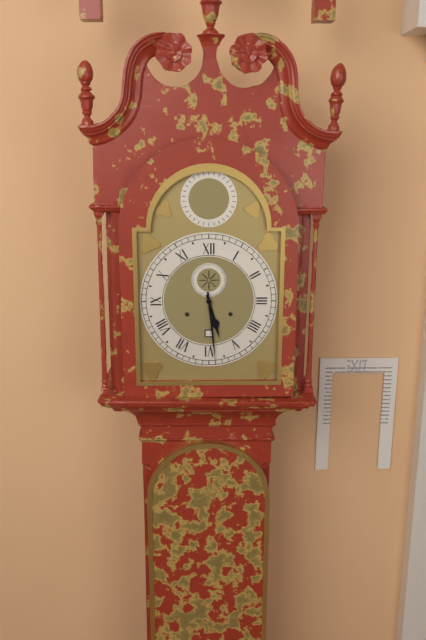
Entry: h=5 m=29
